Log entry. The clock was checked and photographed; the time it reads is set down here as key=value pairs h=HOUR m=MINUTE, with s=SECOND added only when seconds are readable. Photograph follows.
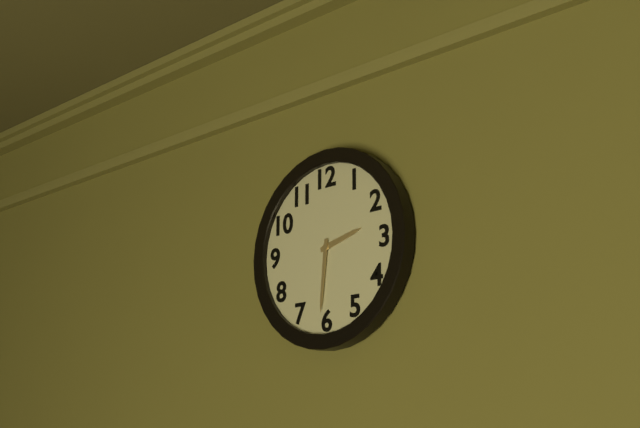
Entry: h=2 m=31
